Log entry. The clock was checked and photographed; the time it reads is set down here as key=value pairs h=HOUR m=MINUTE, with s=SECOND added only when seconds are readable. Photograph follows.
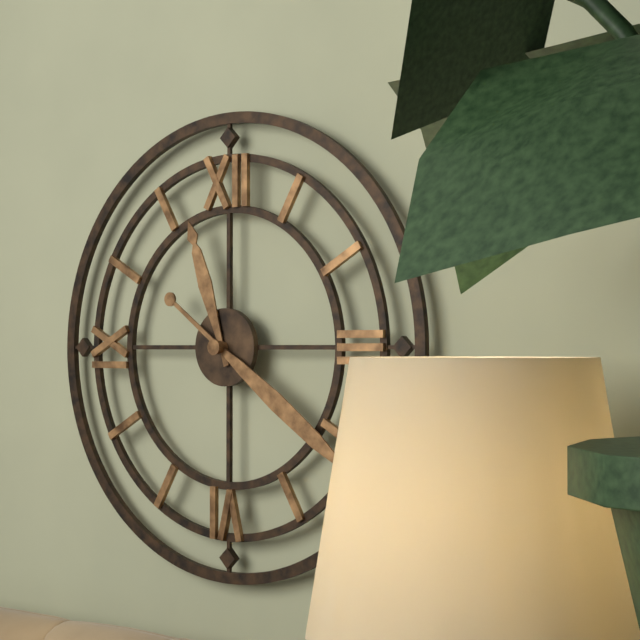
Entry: h=11 m=21
